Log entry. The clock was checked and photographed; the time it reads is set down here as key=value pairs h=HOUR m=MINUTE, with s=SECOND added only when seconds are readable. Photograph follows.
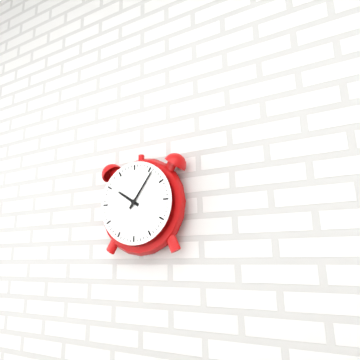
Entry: h=10 m=6
